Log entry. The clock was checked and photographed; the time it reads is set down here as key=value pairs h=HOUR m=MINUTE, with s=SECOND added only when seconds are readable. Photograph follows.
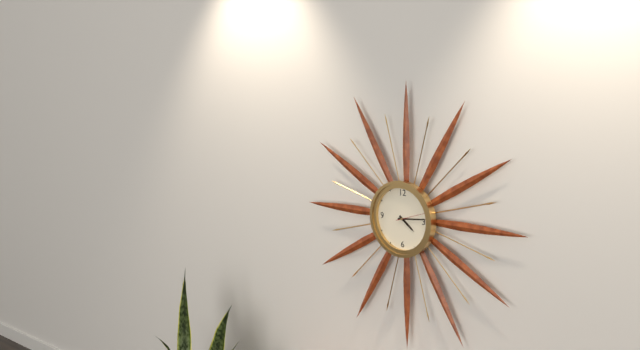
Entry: h=4 m=14
